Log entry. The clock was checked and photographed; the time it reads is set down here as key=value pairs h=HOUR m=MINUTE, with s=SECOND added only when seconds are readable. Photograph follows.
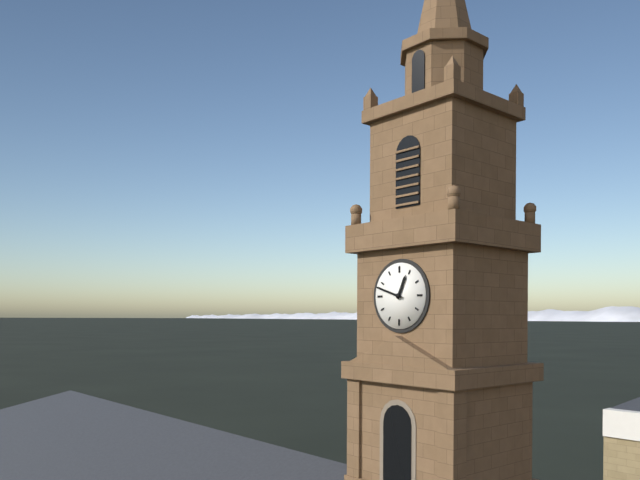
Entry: h=12 m=48
